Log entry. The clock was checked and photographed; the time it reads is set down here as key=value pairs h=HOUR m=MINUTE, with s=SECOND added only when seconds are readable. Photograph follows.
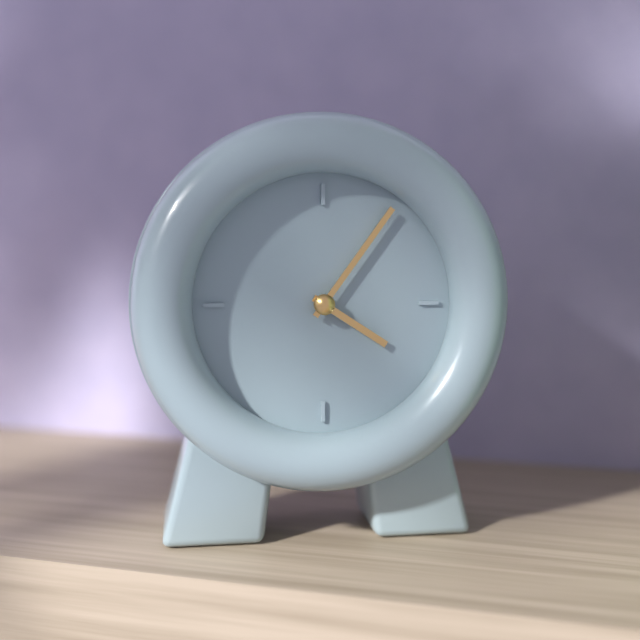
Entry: h=4 m=6
